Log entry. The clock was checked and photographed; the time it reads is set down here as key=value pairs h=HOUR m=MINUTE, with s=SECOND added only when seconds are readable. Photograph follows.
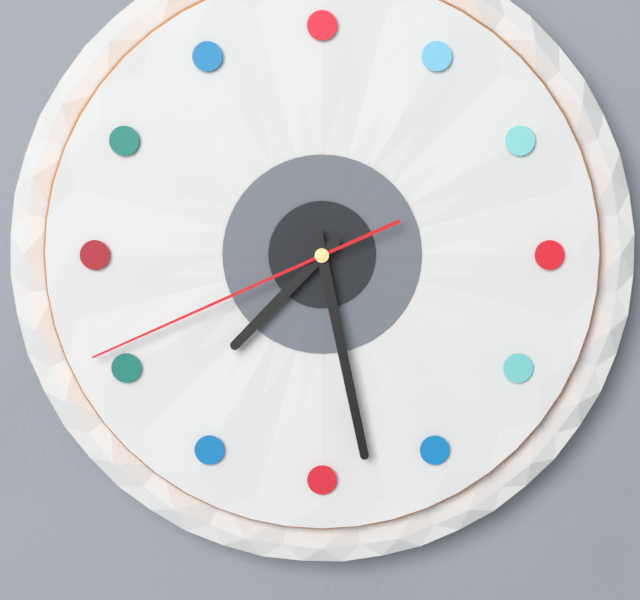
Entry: h=7 m=28 s=41
